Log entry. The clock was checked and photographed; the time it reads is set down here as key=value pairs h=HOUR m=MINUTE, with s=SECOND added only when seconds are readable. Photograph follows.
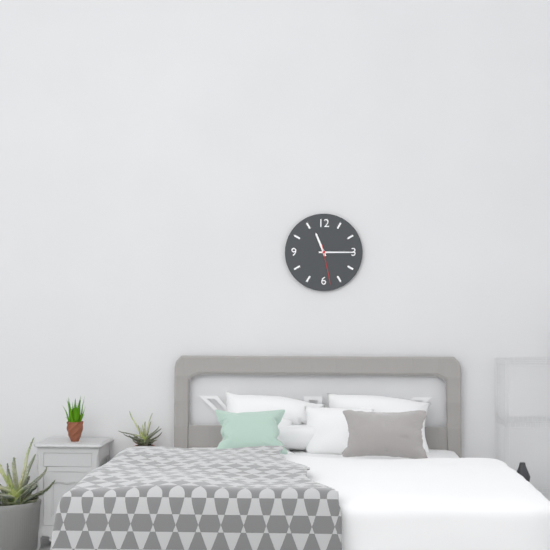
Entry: h=11 m=15
